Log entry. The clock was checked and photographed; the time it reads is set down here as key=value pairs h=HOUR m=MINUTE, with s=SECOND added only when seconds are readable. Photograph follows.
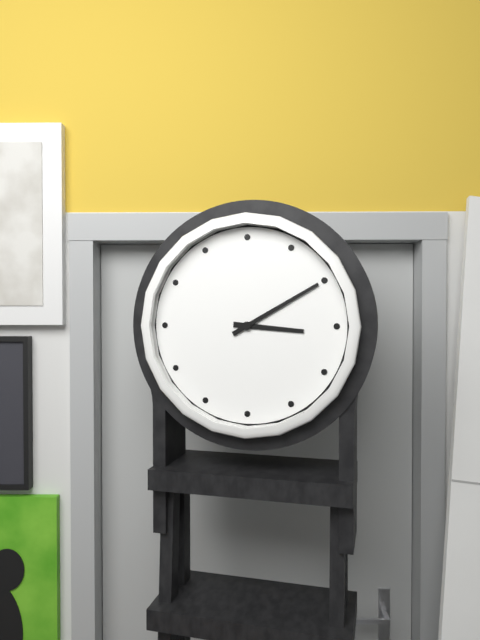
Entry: h=3 m=10
